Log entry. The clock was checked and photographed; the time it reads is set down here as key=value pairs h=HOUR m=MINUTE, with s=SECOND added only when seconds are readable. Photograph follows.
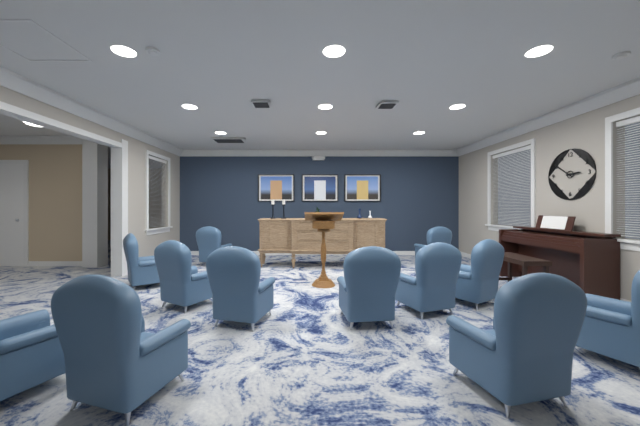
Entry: h=2 m=51
